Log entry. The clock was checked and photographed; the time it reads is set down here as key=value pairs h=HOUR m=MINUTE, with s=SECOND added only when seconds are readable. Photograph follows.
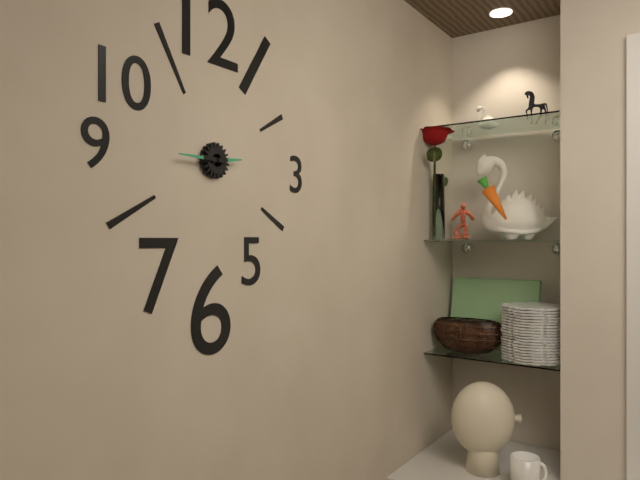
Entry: h=2 m=45
